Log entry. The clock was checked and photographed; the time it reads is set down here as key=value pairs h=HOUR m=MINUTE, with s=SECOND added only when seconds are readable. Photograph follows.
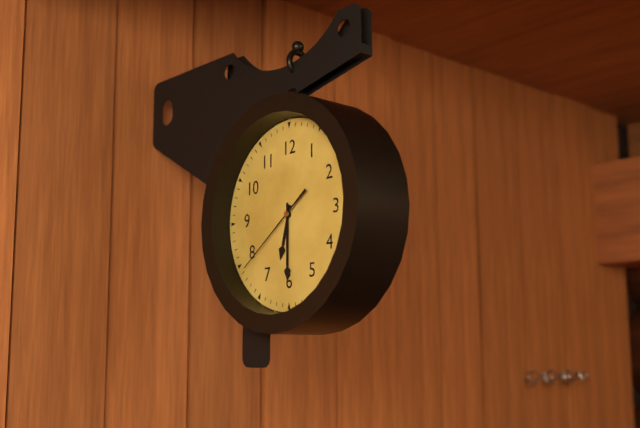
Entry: h=6 m=30 s=39
